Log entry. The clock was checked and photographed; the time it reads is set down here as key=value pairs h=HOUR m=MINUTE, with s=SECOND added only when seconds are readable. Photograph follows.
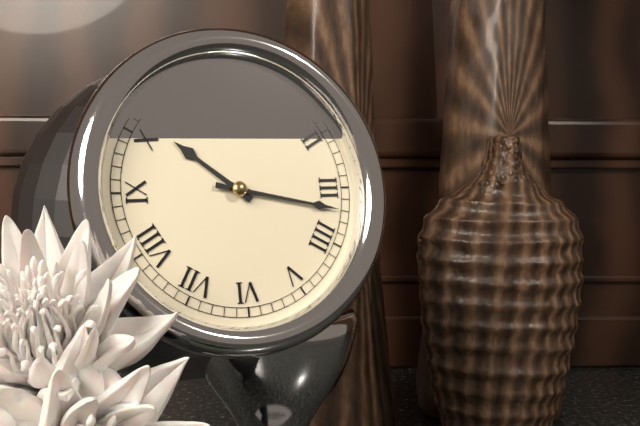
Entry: h=10 m=17
